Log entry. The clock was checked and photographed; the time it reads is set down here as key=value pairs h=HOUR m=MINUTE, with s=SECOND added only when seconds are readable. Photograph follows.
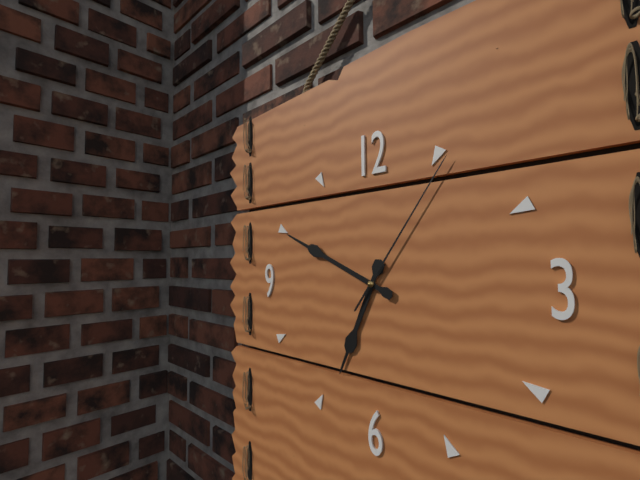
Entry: h=6 m=49 s=6
